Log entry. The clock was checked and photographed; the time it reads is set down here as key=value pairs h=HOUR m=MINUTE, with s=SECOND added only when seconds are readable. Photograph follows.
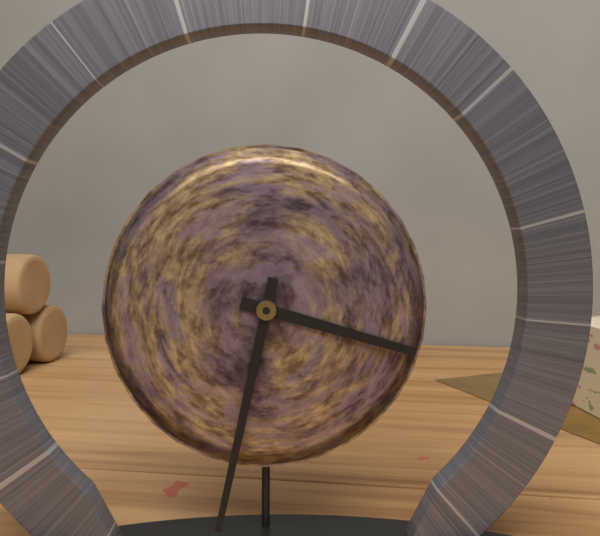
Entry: h=3 m=32
